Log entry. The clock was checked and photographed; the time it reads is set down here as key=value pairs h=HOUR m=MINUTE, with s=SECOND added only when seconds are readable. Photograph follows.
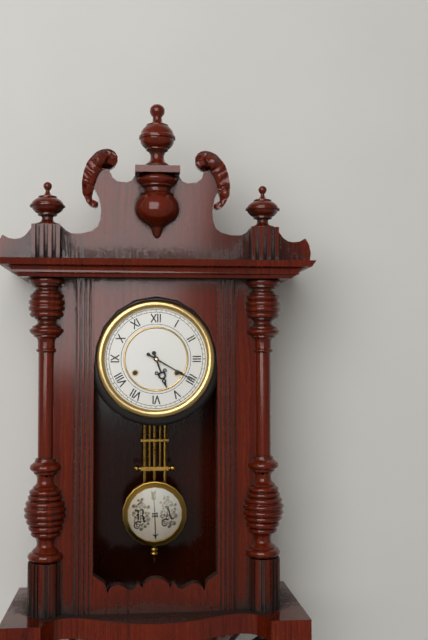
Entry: h=5 m=20
